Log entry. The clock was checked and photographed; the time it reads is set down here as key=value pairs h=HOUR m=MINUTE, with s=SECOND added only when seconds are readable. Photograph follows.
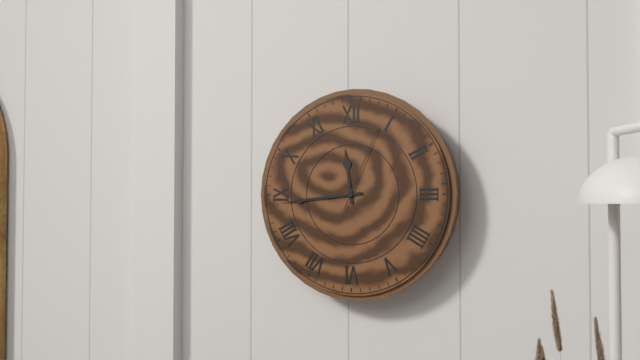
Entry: h=11 m=44 s=4
